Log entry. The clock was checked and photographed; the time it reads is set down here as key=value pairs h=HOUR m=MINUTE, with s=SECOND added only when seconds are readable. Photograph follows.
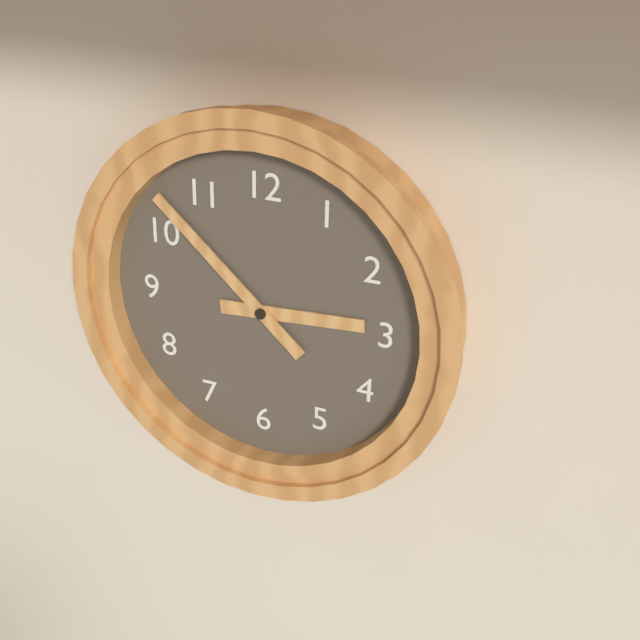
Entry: h=2 m=52
